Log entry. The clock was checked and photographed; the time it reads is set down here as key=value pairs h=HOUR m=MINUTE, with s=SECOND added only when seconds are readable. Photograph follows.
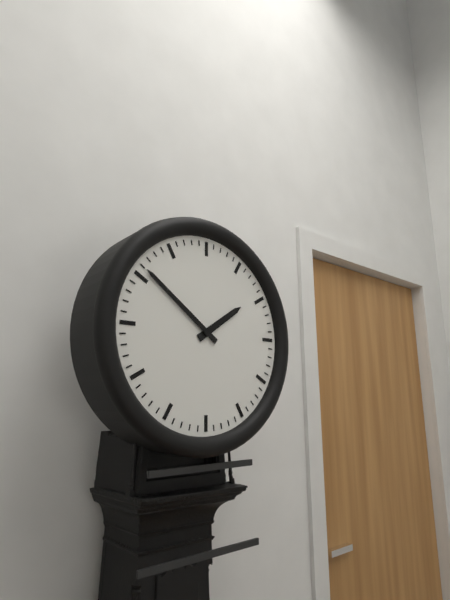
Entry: h=1 m=51
